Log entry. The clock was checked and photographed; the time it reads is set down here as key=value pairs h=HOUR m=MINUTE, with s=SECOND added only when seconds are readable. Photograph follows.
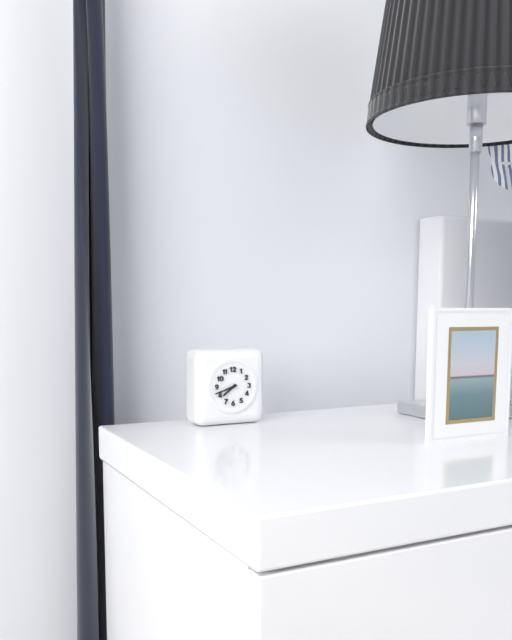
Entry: h=7 m=42
